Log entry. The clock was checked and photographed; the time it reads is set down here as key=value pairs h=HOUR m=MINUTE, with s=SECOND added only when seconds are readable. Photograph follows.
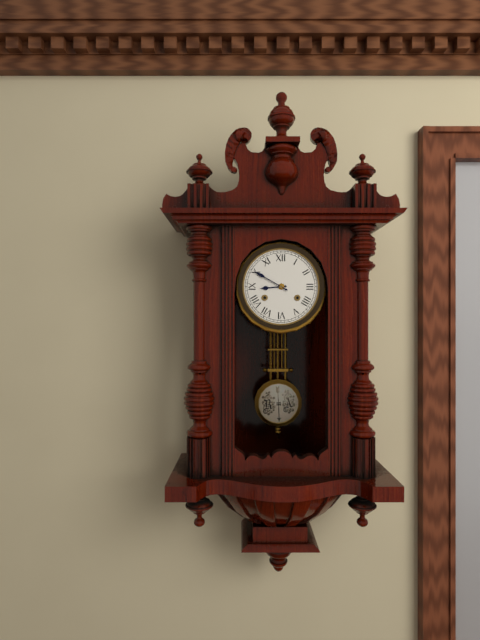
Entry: h=8 m=50
